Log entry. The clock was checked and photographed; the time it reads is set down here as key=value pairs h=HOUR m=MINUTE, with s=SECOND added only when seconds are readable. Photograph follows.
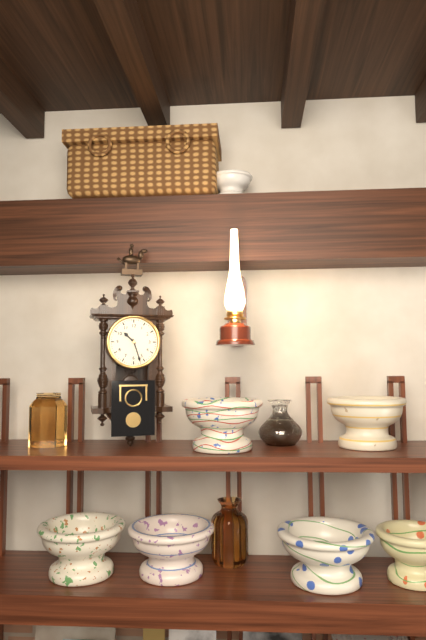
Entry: h=10 m=27
